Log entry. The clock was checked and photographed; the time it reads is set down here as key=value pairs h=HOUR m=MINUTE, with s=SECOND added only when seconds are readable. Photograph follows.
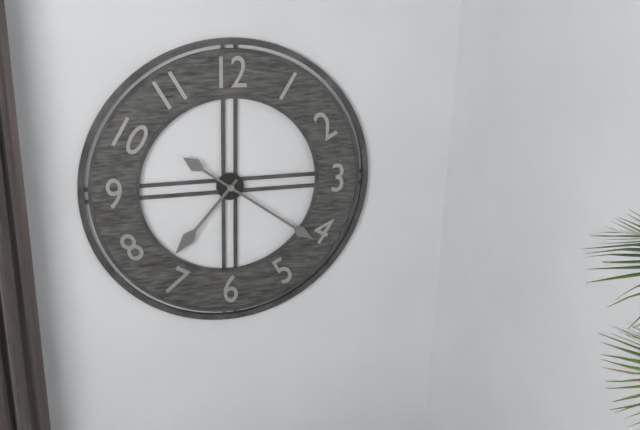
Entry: h=7 m=21
